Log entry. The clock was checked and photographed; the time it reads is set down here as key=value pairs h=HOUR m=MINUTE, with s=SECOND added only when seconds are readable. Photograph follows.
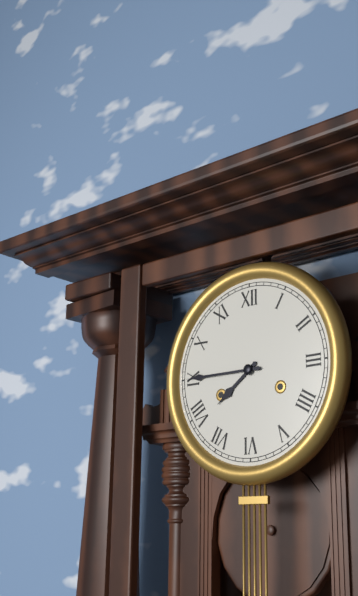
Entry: h=7 m=45
